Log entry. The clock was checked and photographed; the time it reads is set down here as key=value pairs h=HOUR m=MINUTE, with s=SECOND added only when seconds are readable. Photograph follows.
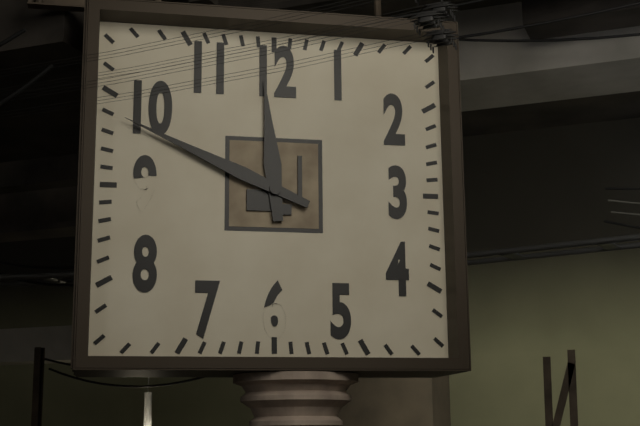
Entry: h=11 m=49
